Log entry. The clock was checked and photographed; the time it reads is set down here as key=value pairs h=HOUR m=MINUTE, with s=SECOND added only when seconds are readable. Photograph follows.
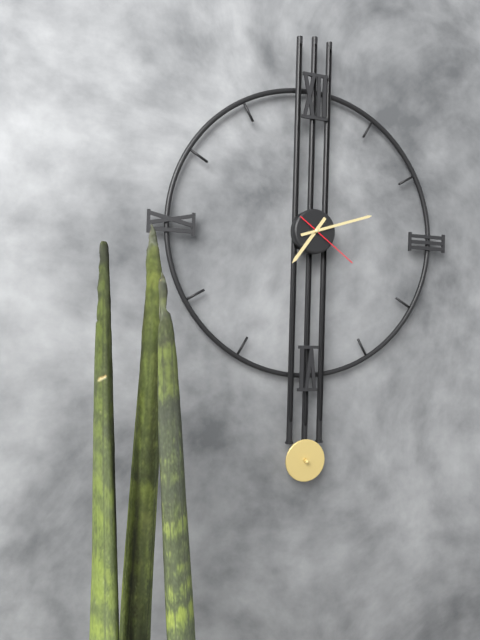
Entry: h=7 m=12 s=21
